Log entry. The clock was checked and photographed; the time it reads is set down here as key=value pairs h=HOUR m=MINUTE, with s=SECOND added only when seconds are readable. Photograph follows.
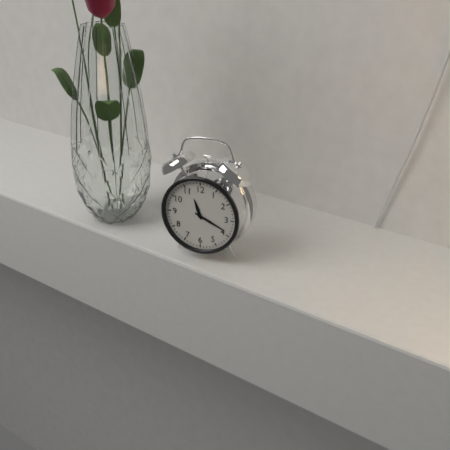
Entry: h=11 m=19
